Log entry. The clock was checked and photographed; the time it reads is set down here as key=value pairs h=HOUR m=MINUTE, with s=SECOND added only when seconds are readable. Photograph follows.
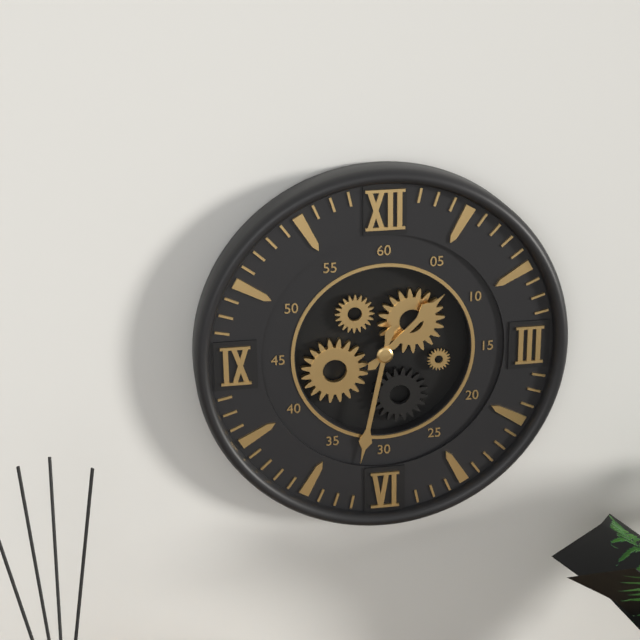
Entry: h=1 m=32
